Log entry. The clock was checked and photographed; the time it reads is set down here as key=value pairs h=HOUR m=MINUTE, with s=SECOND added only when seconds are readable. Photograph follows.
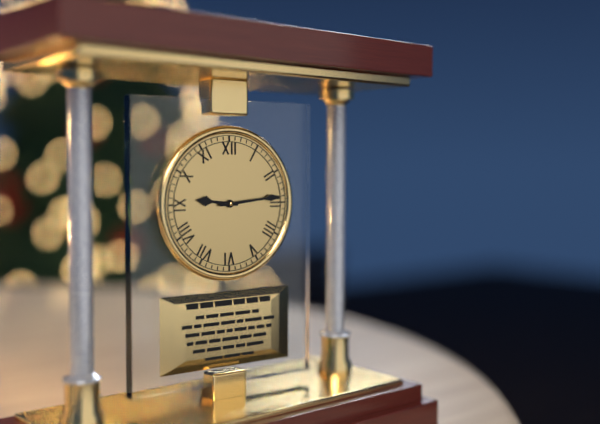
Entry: h=9 m=14
